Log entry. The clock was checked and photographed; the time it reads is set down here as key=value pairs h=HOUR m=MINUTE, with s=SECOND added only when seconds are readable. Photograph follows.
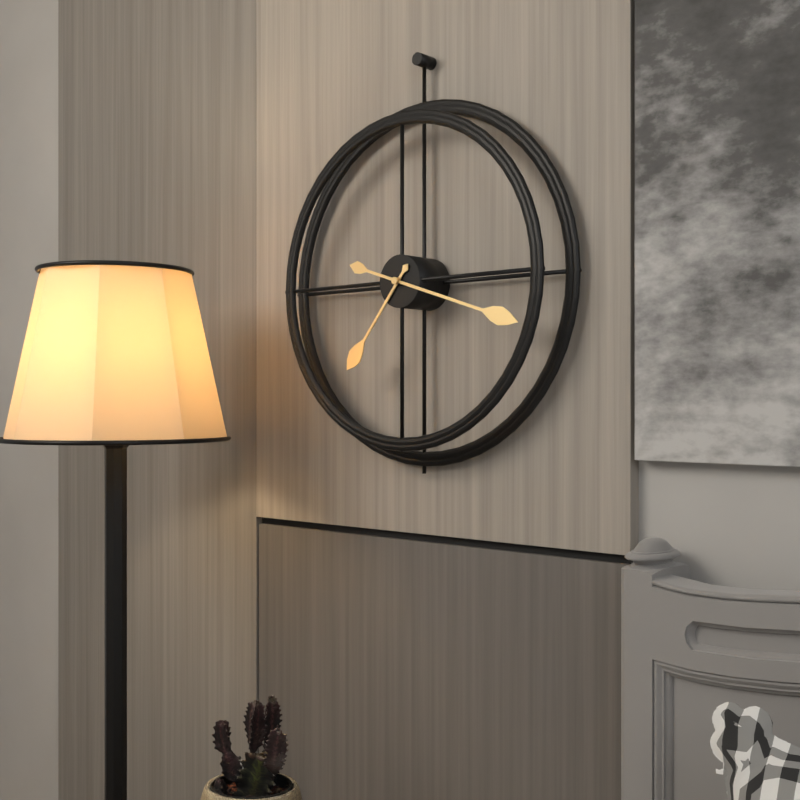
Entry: h=7 m=18
